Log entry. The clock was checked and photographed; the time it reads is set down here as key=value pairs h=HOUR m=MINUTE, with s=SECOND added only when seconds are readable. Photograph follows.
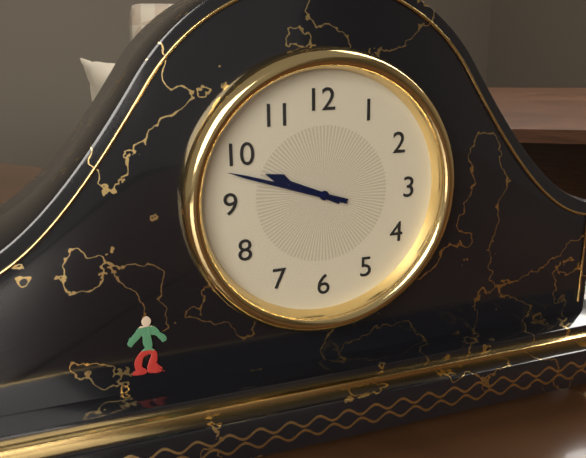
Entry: h=9 m=48
